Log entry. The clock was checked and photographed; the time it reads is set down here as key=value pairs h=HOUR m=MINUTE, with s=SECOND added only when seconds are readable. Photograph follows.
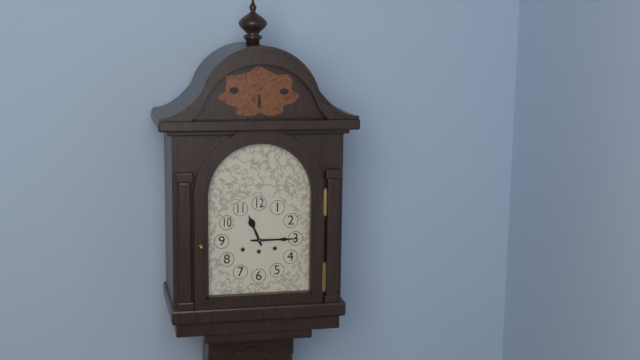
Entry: h=11 m=15
